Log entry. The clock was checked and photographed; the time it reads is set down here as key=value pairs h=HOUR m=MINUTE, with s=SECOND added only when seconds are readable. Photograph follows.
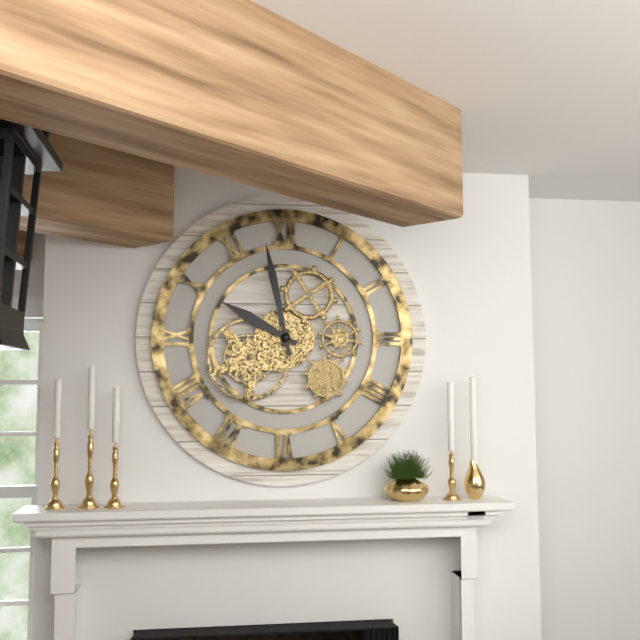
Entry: h=9 m=58
